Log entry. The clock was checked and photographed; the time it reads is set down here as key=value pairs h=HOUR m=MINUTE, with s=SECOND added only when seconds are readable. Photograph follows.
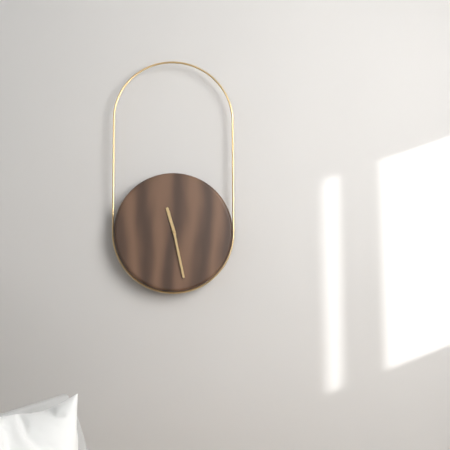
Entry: h=11 m=28
